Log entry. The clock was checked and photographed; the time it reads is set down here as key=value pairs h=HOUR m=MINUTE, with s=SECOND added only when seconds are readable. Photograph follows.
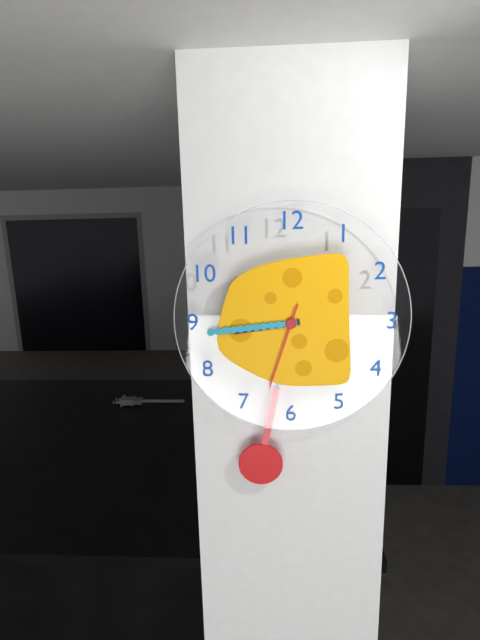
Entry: h=8 m=44 s=33
